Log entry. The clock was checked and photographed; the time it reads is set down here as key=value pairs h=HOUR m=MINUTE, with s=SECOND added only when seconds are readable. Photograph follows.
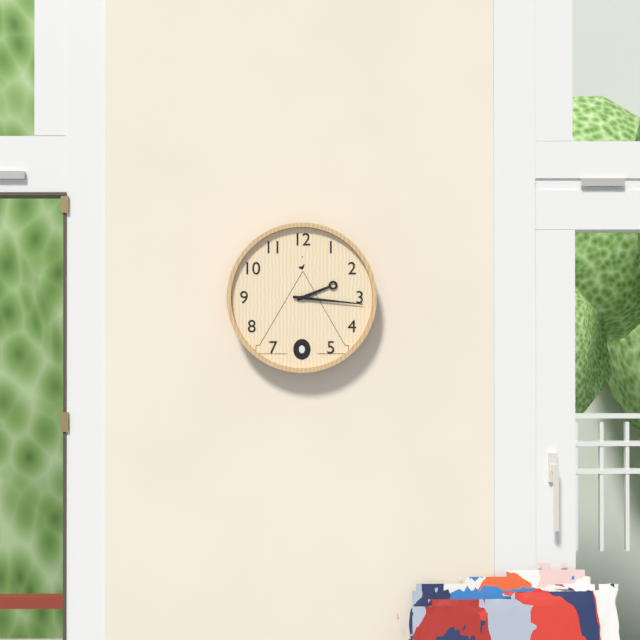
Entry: h=2 m=16
